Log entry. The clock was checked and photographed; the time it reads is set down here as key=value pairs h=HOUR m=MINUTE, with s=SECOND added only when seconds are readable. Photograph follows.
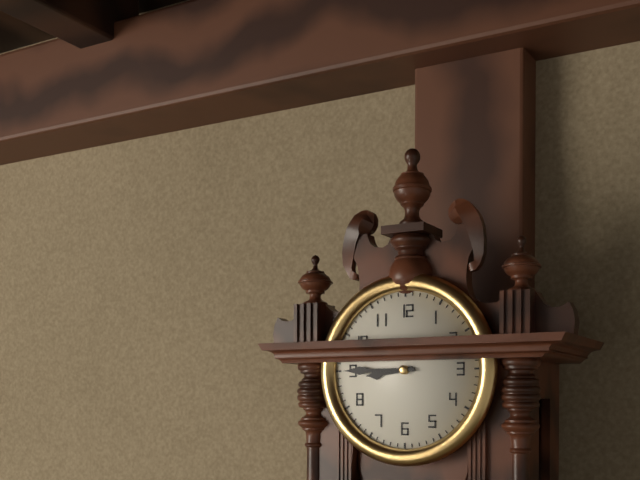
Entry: h=8 m=45
